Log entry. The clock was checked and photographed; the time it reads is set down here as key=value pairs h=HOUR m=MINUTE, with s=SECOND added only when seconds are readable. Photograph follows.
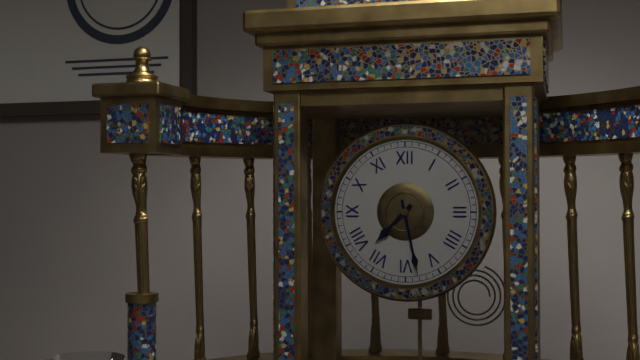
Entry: h=7 m=28
